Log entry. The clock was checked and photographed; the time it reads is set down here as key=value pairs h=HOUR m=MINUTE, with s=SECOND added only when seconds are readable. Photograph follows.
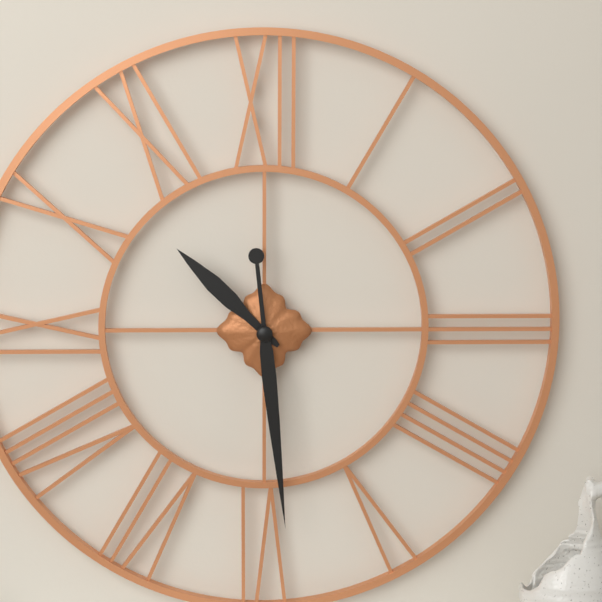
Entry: h=10 m=29
